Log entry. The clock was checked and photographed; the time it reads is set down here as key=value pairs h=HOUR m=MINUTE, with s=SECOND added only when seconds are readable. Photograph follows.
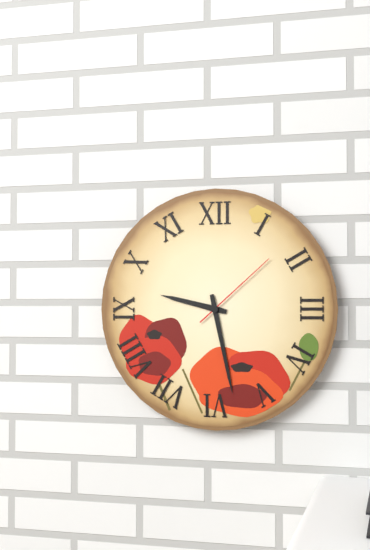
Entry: h=9 m=28 s=8
